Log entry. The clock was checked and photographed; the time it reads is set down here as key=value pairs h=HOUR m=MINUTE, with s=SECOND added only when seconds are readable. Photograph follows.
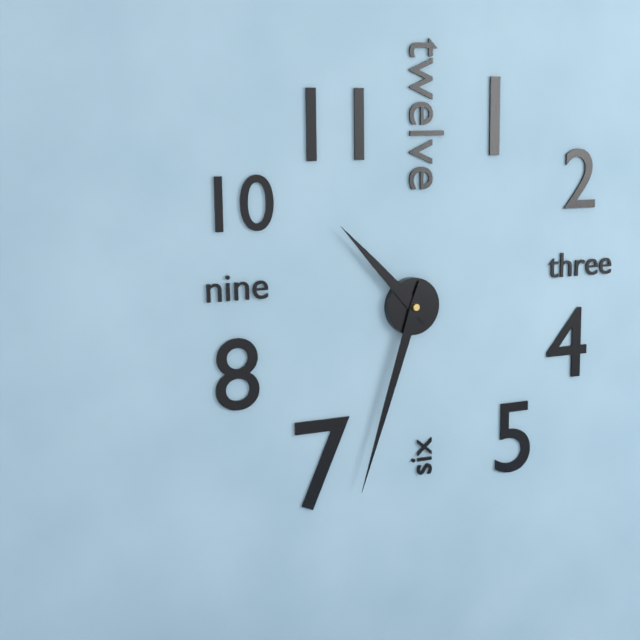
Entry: h=10 m=33
